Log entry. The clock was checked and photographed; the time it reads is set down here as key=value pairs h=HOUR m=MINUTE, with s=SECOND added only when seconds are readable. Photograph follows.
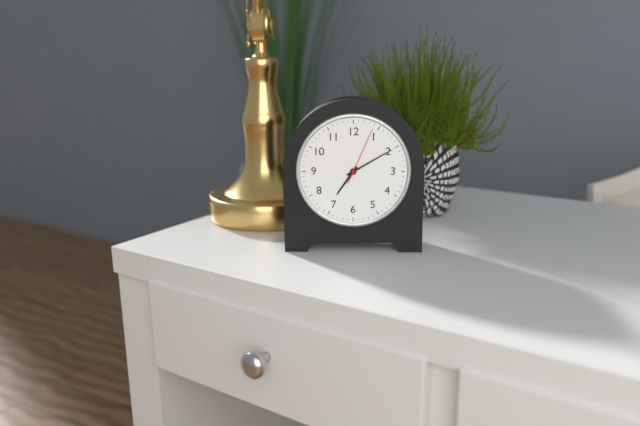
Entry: h=7 m=10 s=4
